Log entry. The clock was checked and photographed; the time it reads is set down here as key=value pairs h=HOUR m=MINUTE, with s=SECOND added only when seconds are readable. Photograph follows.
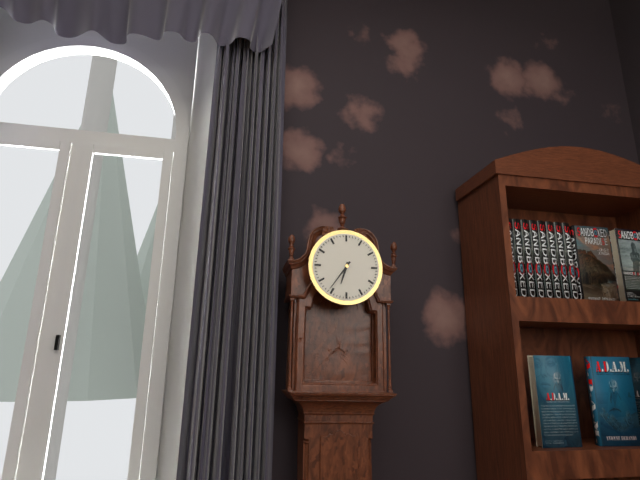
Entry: h=6 m=36
